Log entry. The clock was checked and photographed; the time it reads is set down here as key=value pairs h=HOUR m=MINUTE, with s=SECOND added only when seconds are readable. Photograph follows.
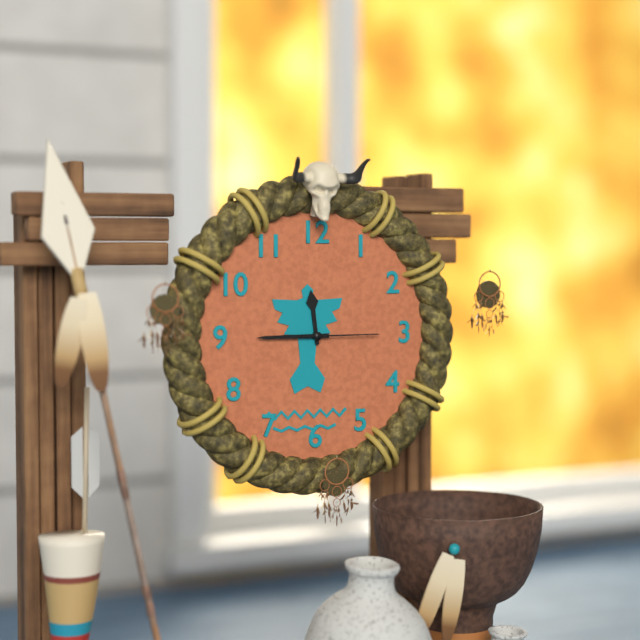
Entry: h=11 m=45 s=15
